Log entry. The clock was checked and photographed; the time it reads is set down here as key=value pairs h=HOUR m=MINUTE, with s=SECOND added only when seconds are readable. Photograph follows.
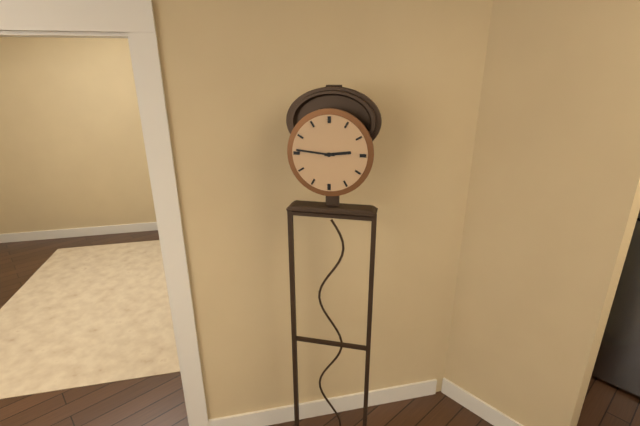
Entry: h=2 m=46
